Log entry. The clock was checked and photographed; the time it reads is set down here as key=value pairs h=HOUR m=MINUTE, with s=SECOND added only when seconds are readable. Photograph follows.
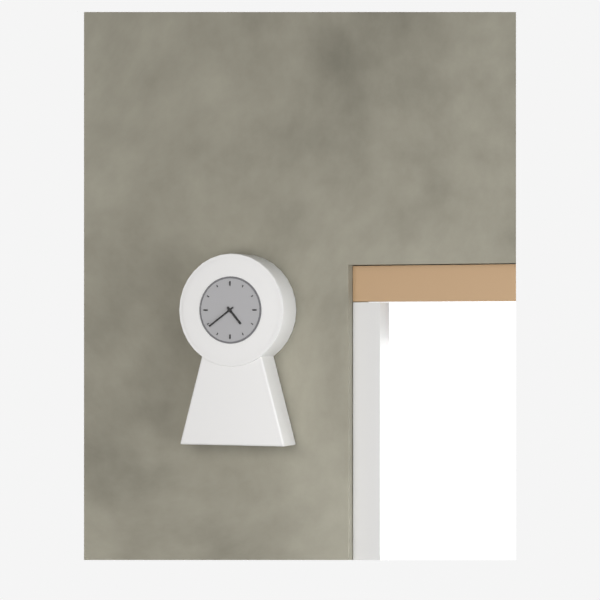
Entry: h=4 m=39
